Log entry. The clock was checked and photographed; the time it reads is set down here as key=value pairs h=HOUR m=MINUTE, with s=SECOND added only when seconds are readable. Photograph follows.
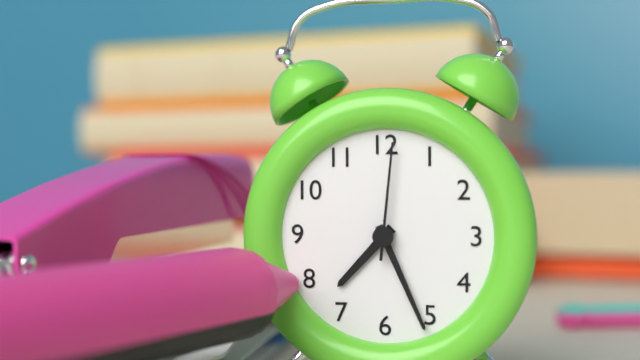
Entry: h=7 m=26 s=1
